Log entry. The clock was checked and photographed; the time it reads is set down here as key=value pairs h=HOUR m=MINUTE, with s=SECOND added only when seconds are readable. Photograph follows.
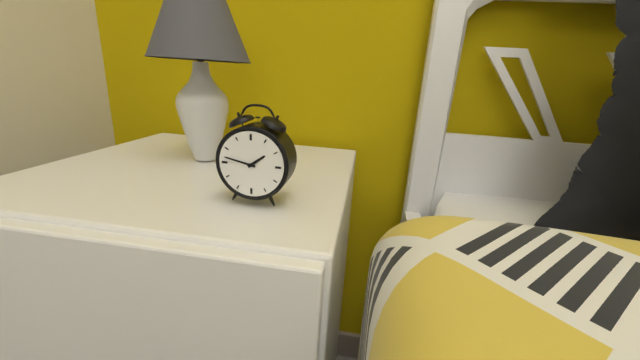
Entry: h=1 m=47
